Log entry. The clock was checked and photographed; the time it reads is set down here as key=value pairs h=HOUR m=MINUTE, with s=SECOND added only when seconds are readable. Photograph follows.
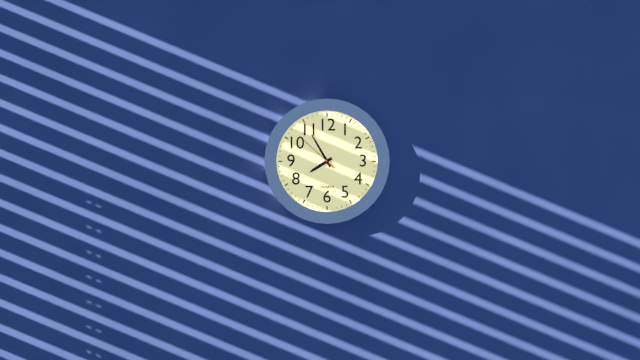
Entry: h=7 m=55
